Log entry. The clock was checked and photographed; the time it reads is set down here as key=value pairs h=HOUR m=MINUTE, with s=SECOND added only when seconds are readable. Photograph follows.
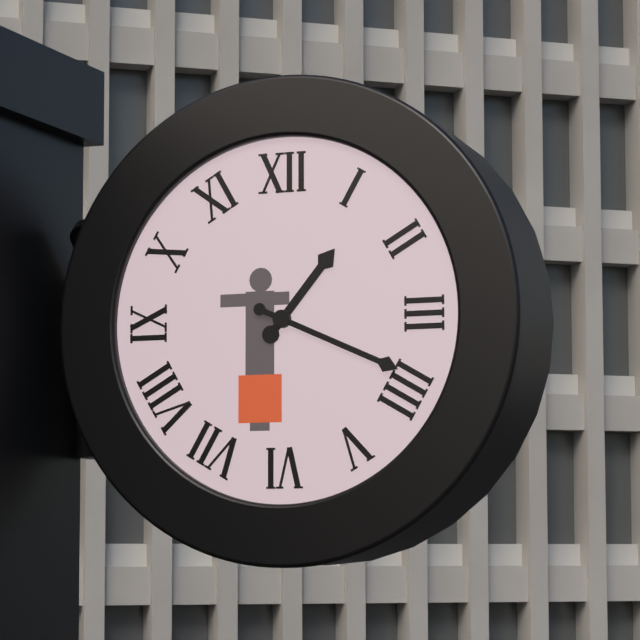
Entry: h=1 m=19
